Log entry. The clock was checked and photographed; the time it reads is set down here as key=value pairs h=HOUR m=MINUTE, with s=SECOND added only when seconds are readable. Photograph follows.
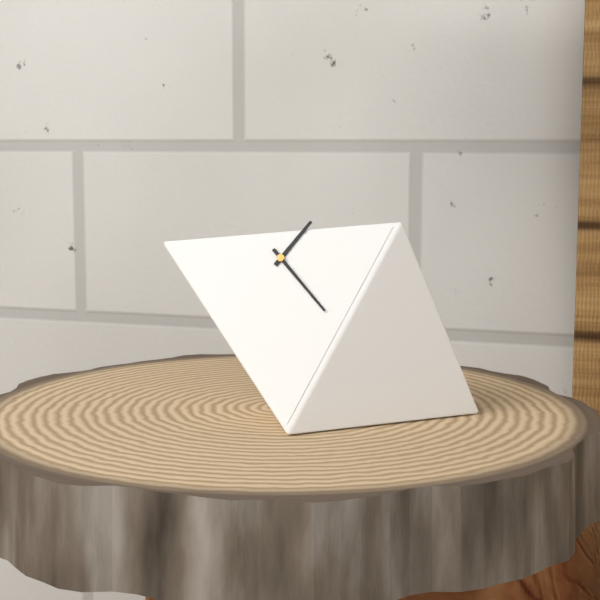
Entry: h=1 m=24
